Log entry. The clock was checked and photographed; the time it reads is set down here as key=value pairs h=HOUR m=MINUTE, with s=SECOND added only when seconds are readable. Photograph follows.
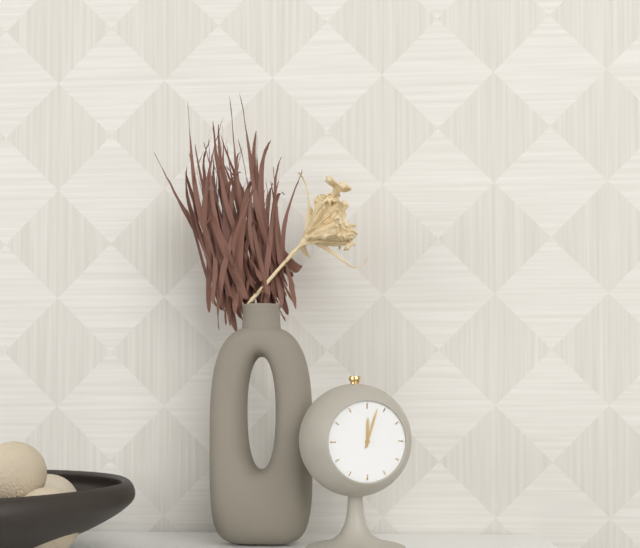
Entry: h=12 m=3
